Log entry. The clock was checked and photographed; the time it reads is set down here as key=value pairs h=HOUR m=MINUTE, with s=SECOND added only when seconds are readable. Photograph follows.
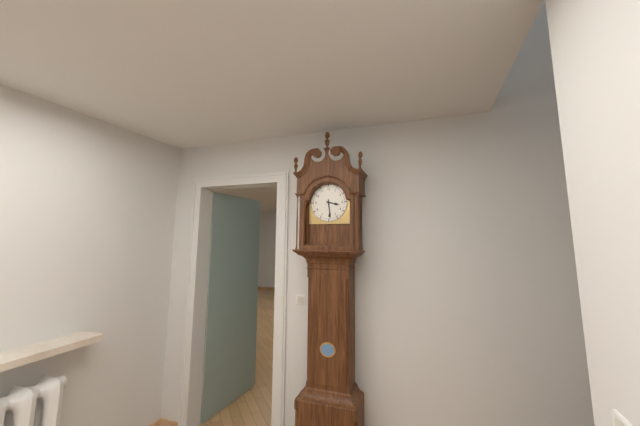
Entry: h=3 m=29
